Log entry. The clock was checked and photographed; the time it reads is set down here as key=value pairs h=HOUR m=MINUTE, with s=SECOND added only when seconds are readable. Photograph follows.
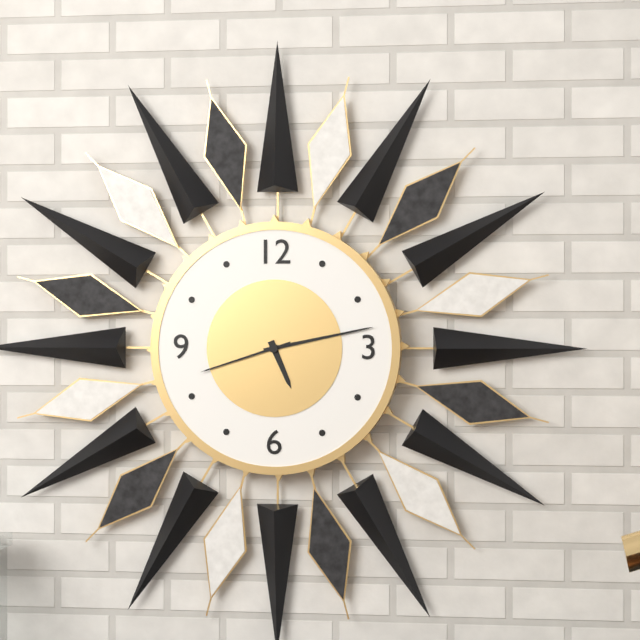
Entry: h=5 m=13 s=42
